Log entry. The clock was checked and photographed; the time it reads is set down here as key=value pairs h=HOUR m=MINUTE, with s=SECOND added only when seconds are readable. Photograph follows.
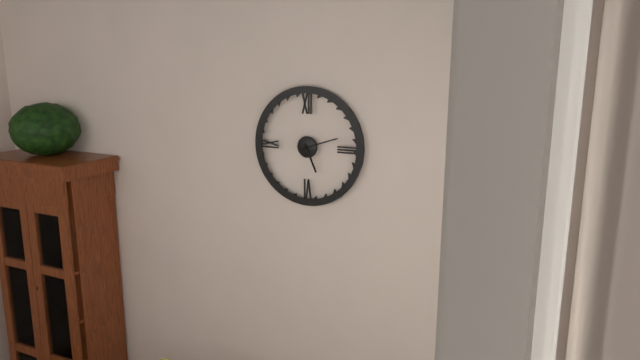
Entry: h=5 m=12
